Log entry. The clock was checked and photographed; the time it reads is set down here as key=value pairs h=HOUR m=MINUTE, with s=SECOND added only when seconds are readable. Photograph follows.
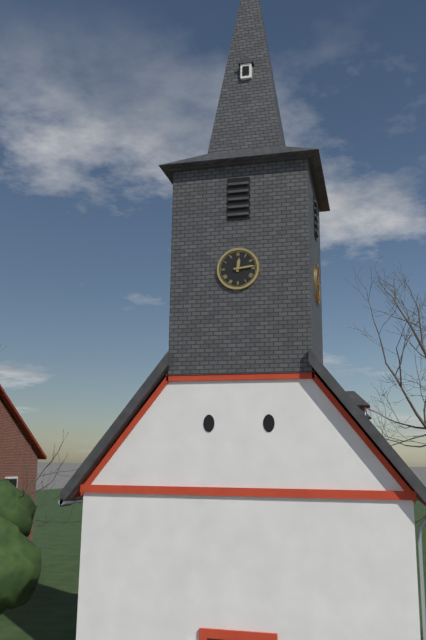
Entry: h=12 m=14
